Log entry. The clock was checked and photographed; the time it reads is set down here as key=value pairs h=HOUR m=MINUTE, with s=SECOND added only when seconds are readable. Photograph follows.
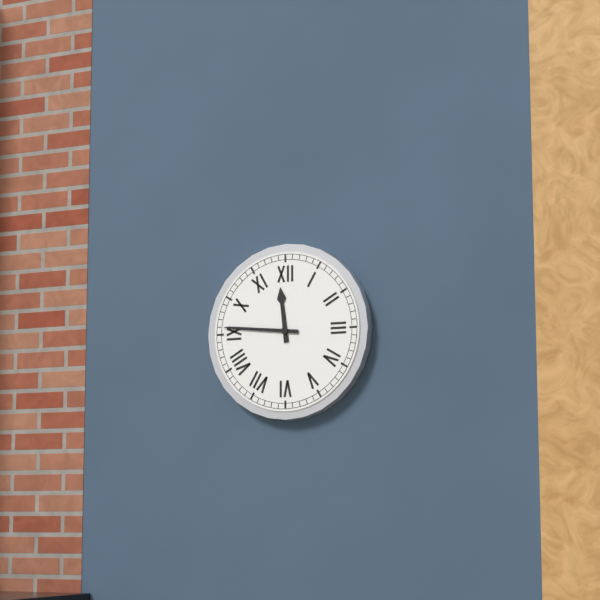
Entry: h=11 m=46
